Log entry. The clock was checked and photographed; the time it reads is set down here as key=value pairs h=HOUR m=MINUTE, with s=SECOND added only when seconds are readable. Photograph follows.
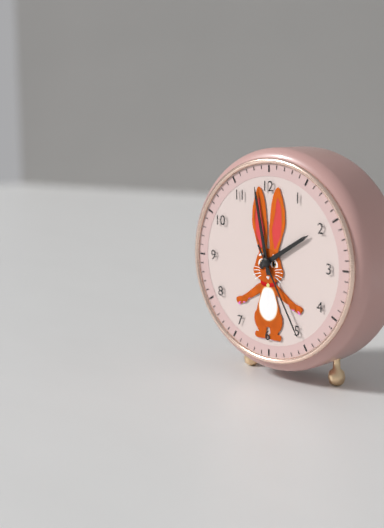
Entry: h=1 m=58 s=25
